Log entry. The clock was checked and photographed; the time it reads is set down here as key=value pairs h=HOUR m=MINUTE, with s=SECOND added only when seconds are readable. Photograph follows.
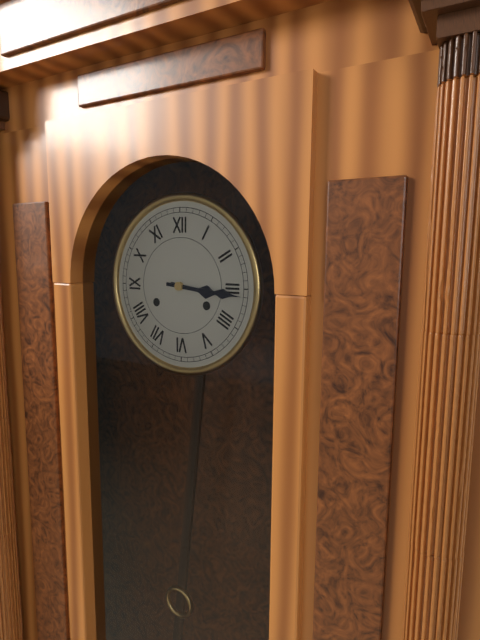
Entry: h=3 m=16
